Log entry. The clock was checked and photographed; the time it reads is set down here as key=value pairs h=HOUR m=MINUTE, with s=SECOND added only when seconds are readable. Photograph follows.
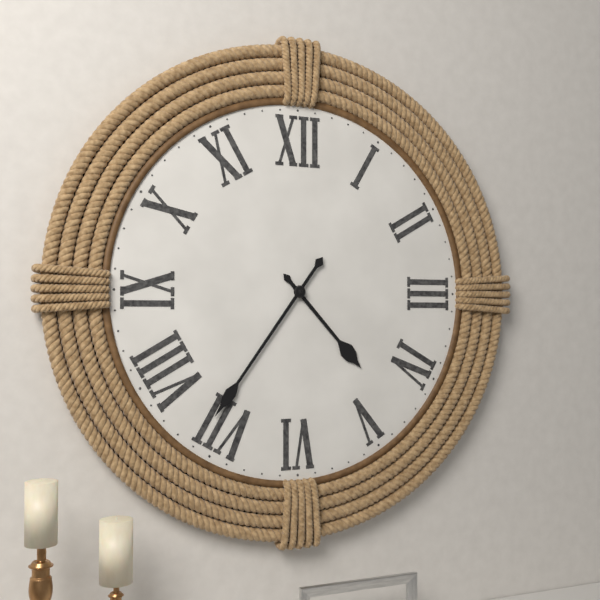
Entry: h=4 m=36
